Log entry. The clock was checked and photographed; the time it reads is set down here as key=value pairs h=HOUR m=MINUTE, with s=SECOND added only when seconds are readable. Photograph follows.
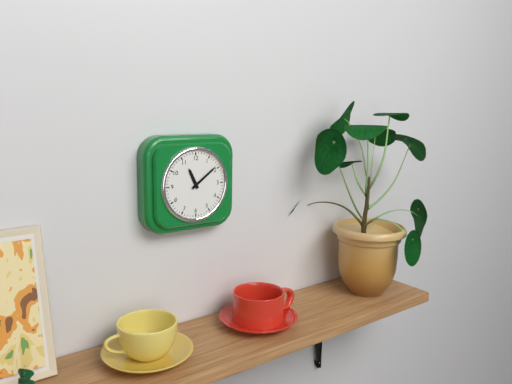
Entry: h=11 m=9
